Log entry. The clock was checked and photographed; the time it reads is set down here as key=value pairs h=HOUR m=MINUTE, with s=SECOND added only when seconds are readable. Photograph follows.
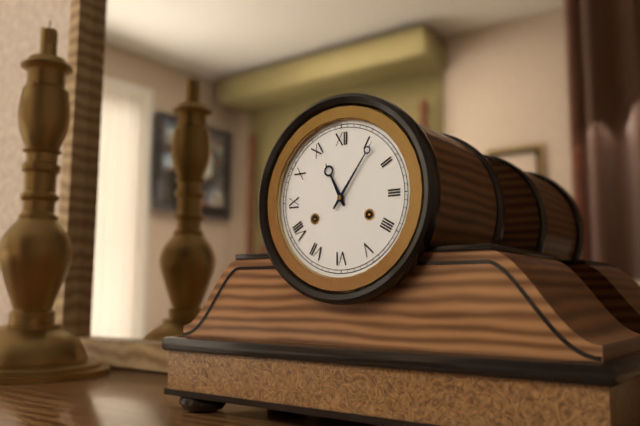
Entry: h=11 m=6
